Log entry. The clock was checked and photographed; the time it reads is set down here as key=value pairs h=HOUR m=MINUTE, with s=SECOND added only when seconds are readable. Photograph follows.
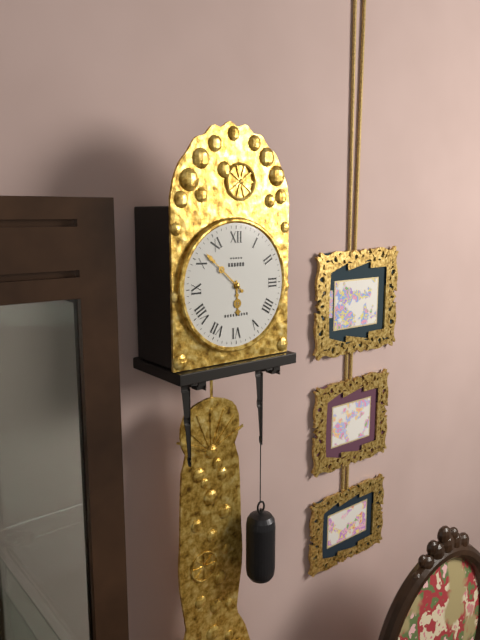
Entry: h=5 m=52
